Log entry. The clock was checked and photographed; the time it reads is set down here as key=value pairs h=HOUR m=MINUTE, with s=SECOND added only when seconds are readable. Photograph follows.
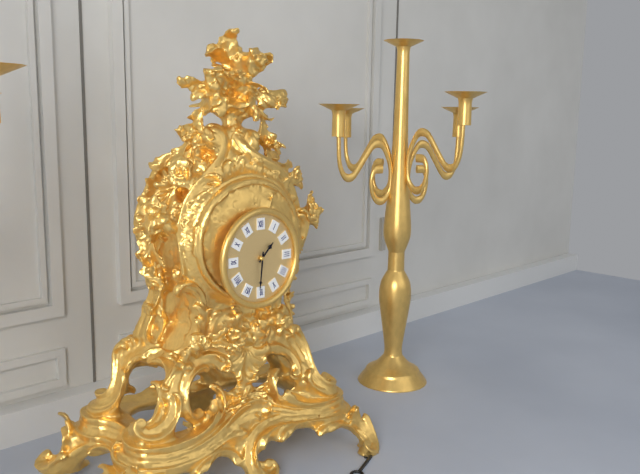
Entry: h=1 m=31
